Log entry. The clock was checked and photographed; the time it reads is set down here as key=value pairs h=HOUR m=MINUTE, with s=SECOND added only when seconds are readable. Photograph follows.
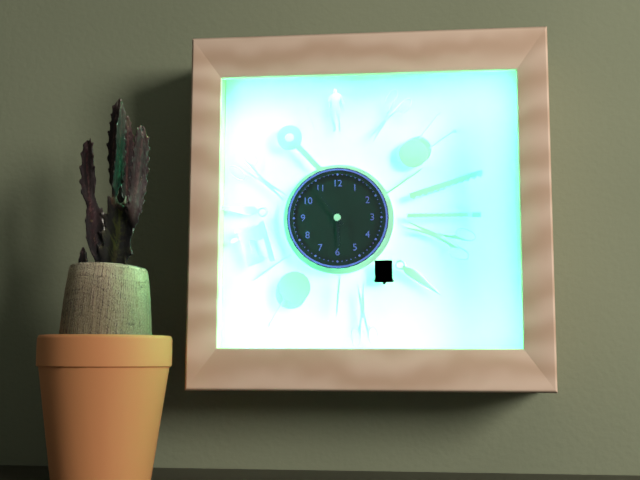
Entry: h=5 m=54
